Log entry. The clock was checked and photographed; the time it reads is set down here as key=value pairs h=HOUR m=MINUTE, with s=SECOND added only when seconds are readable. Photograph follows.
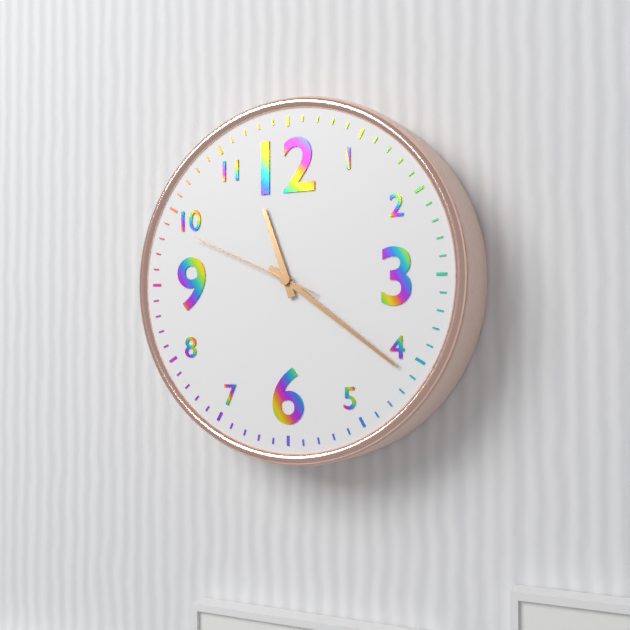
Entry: h=11 m=21 s=49
